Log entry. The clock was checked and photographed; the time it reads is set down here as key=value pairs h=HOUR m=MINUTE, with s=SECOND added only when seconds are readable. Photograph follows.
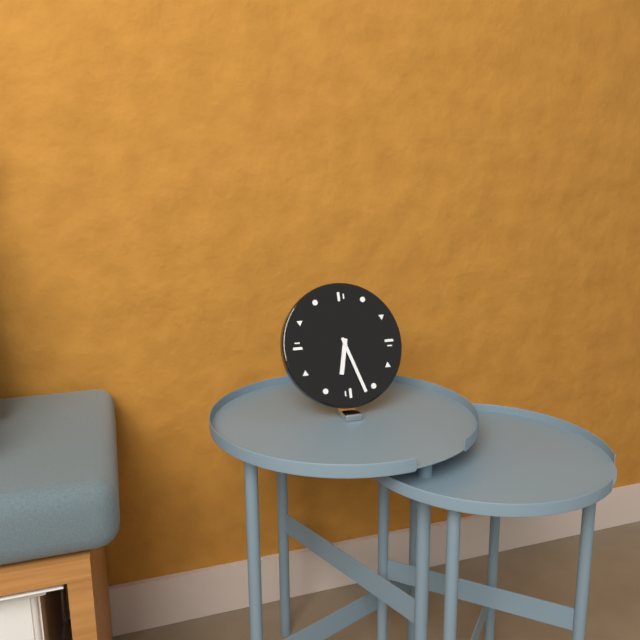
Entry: h=6 m=27
